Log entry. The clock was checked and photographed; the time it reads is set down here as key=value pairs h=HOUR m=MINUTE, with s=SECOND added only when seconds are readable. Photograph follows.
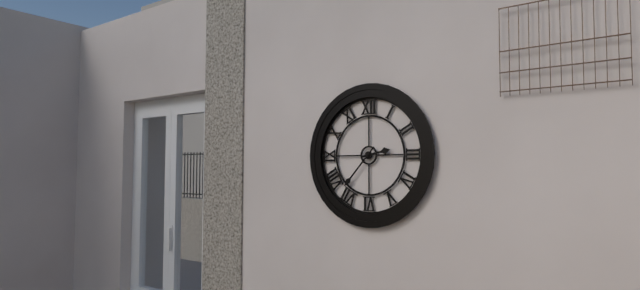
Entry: h=2 m=37
